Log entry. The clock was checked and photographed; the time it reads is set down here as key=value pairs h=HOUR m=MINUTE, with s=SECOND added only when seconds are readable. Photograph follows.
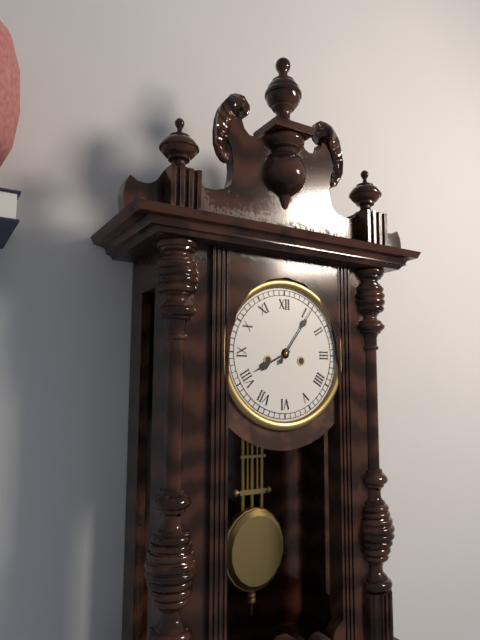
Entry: h=8 m=6
